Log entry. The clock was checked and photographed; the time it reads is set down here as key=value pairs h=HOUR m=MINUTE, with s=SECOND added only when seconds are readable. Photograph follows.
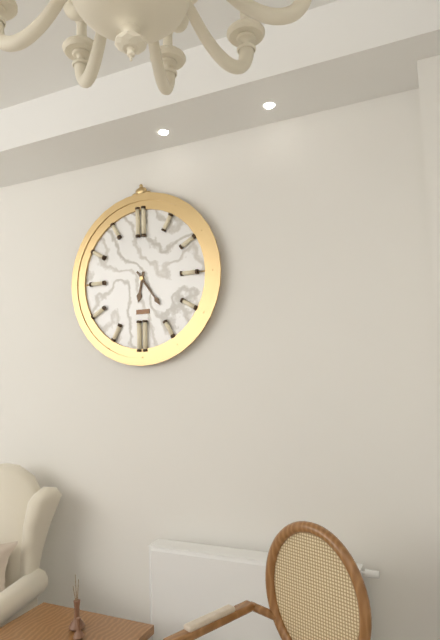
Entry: h=6 m=24
